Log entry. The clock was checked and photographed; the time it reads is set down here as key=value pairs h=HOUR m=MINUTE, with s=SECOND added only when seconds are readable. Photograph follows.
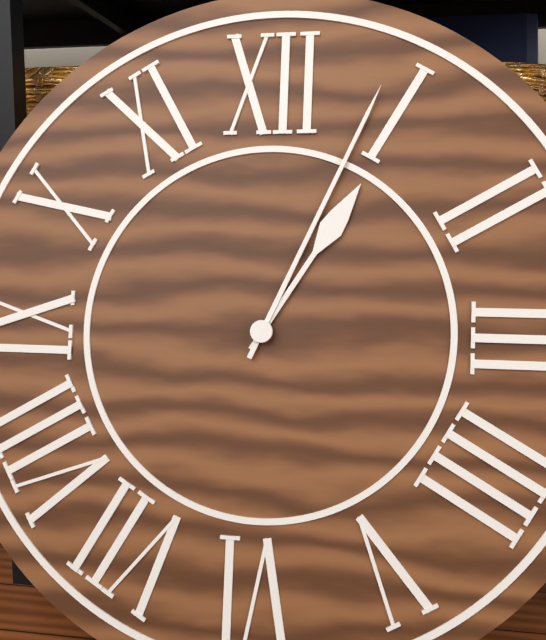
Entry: h=1 m=4
